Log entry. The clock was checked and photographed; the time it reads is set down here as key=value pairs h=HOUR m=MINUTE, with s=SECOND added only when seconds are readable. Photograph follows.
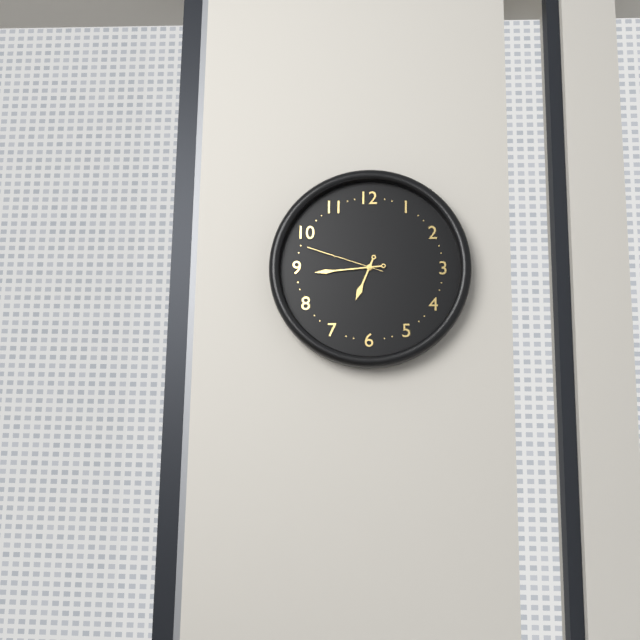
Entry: h=6 m=44 s=48
